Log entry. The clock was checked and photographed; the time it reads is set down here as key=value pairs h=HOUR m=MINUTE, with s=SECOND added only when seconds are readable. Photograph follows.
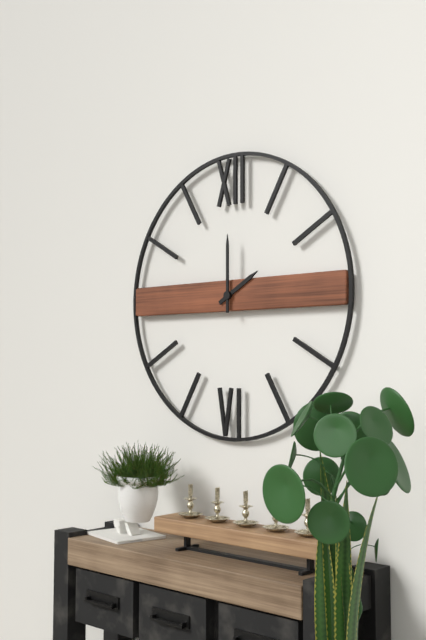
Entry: h=2 m=0
